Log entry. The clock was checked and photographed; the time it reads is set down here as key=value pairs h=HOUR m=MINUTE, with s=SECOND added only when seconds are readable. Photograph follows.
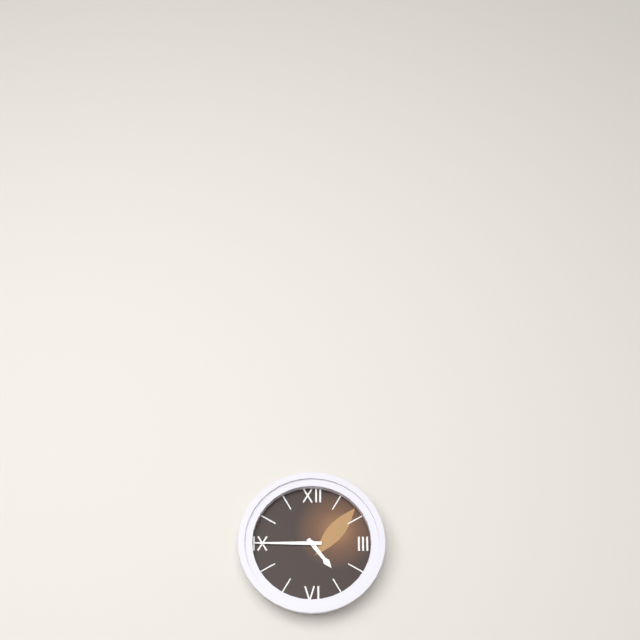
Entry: h=4 m=45
